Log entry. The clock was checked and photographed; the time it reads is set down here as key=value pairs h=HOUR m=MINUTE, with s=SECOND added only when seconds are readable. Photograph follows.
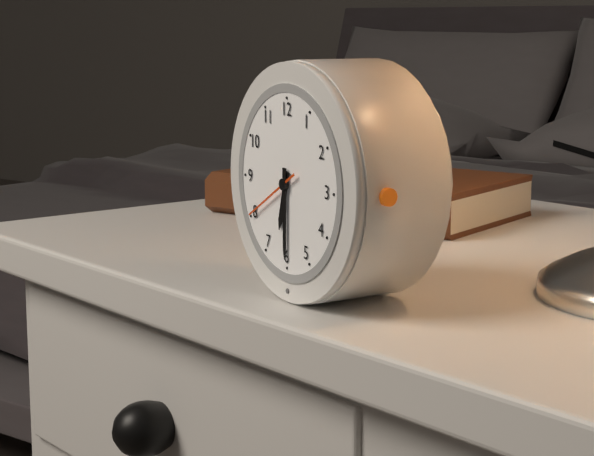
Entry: h=6 m=30 s=40
